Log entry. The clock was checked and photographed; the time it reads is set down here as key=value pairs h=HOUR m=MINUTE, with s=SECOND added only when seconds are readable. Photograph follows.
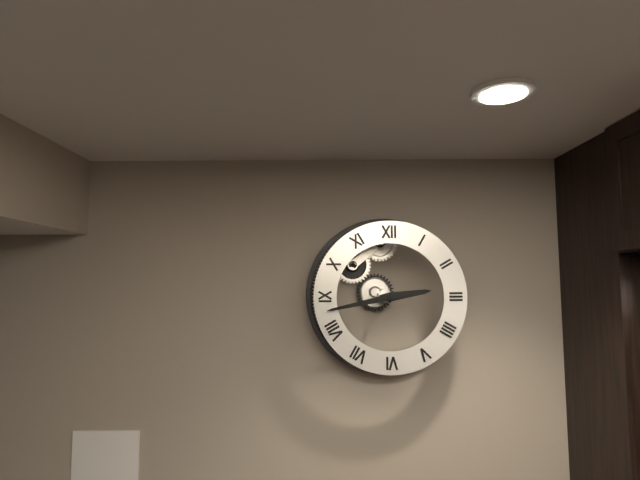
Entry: h=2 m=43
